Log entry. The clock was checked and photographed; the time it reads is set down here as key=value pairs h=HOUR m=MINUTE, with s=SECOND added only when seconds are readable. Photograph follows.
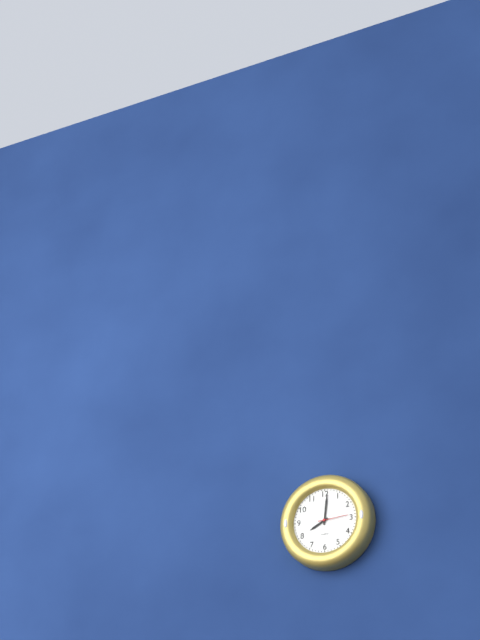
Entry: h=8 m=1
